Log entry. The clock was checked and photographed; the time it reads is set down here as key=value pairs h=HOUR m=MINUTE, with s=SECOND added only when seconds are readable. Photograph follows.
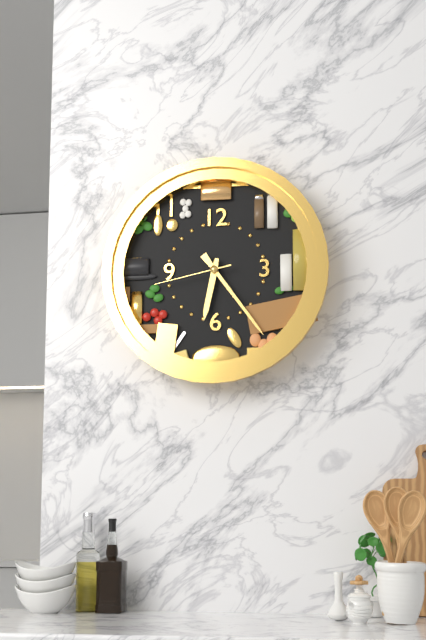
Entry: h=6 m=24 s=43
